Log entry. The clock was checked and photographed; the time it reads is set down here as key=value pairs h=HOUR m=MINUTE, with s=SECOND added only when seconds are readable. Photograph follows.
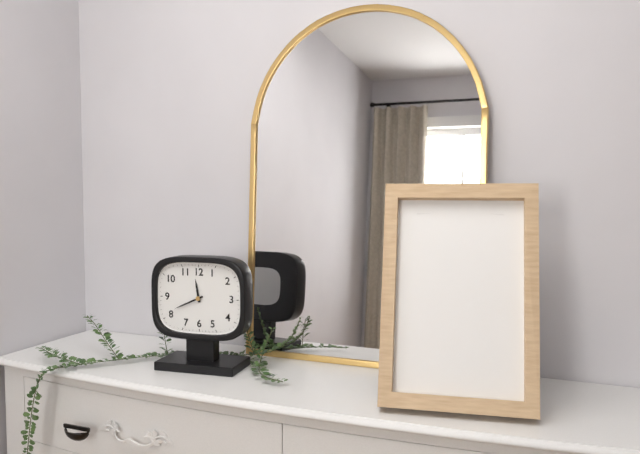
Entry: h=11 m=41
